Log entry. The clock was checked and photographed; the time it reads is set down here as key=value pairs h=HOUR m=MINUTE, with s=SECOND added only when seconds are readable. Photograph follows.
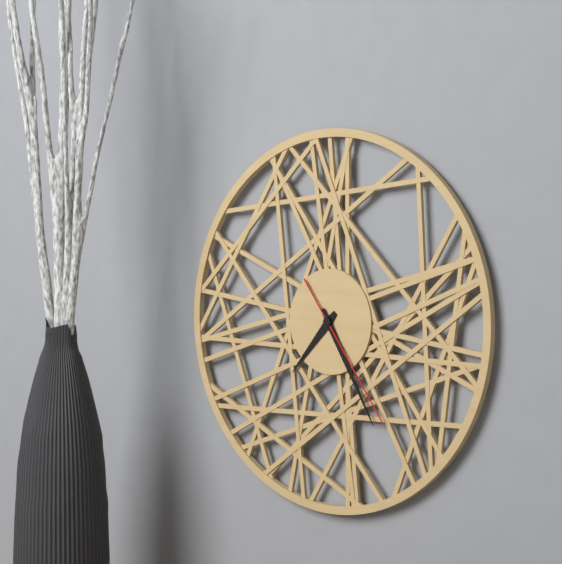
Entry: h=7 m=25 s=24
